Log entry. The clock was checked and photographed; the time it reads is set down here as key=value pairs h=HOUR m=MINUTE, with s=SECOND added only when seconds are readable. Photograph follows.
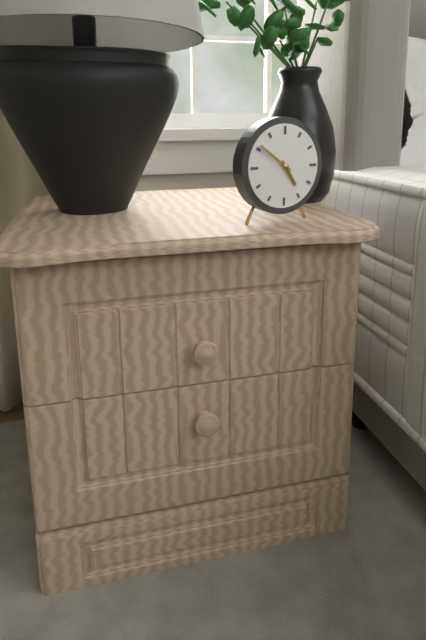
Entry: h=4 m=51
